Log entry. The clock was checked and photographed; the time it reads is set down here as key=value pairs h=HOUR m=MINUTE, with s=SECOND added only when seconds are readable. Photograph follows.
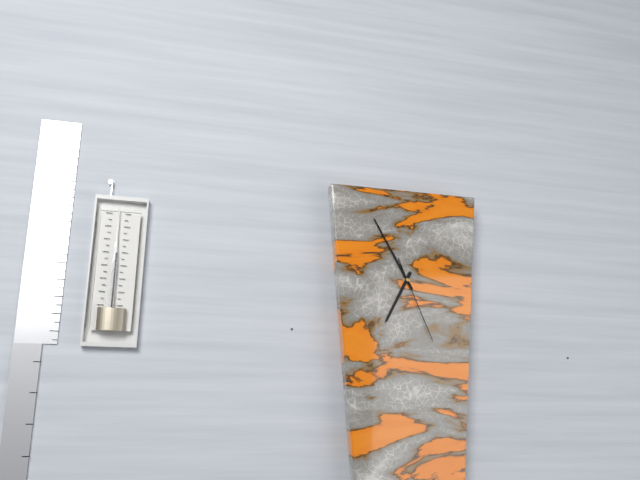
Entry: h=6 m=55 s=26
